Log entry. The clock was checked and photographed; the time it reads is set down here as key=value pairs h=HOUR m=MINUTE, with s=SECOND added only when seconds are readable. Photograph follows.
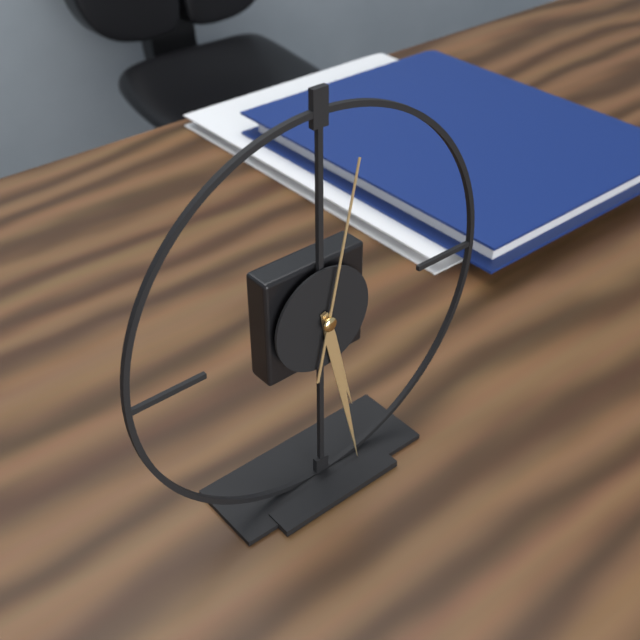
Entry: h=5 m=28 s=2
